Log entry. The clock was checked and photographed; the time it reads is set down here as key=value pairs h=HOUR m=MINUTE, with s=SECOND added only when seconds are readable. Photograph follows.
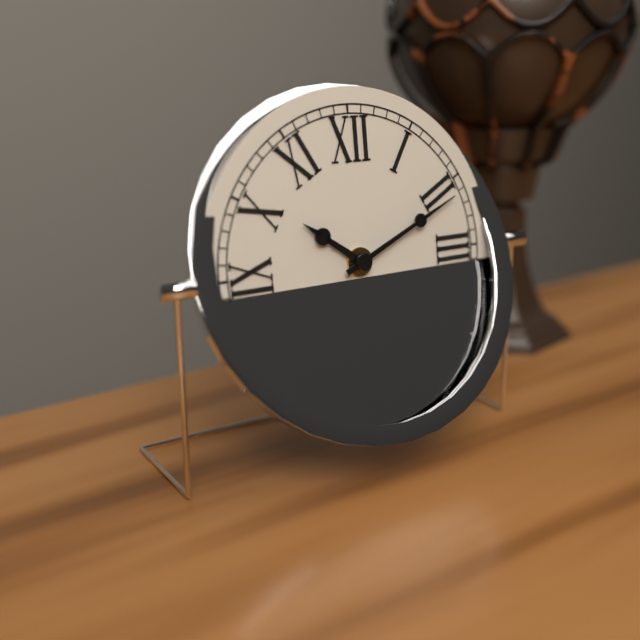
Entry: h=10 m=11
